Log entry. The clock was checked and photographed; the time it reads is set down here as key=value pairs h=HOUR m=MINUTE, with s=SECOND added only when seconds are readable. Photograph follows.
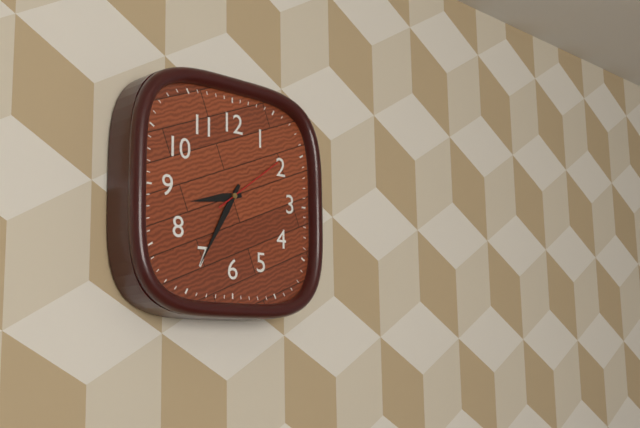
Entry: h=8 m=35 s=9
